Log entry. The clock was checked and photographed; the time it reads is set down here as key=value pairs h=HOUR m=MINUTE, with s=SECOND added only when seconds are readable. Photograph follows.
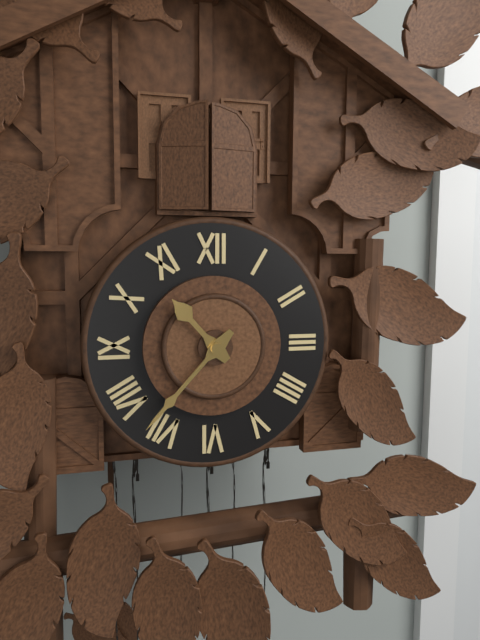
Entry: h=10 m=37
